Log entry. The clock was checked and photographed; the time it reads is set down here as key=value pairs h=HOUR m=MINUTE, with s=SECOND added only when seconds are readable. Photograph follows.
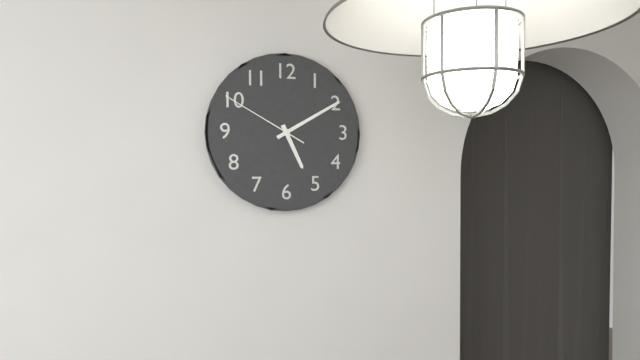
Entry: h=5 m=10 s=50
